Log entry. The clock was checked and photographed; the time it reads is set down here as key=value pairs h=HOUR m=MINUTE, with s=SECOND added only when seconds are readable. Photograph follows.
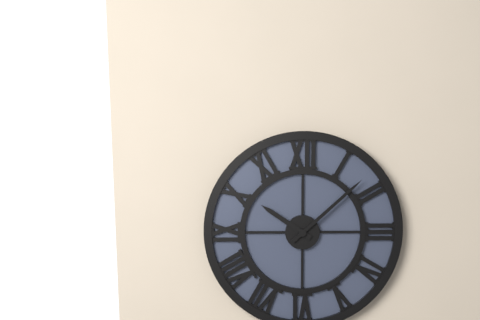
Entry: h=10 m=8
